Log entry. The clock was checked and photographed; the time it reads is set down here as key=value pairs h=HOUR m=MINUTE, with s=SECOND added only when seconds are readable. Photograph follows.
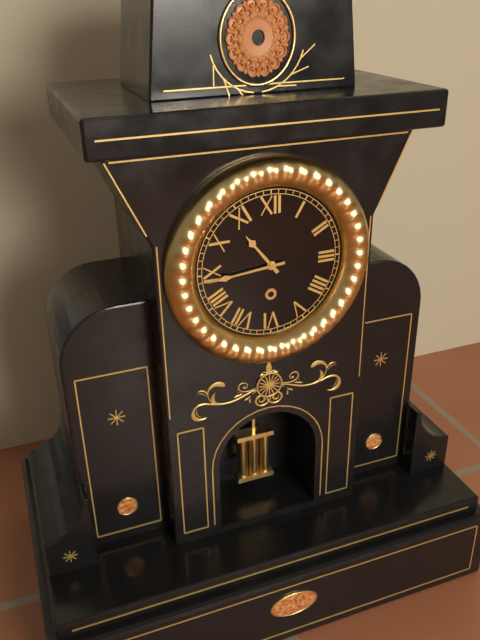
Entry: h=10 m=44
